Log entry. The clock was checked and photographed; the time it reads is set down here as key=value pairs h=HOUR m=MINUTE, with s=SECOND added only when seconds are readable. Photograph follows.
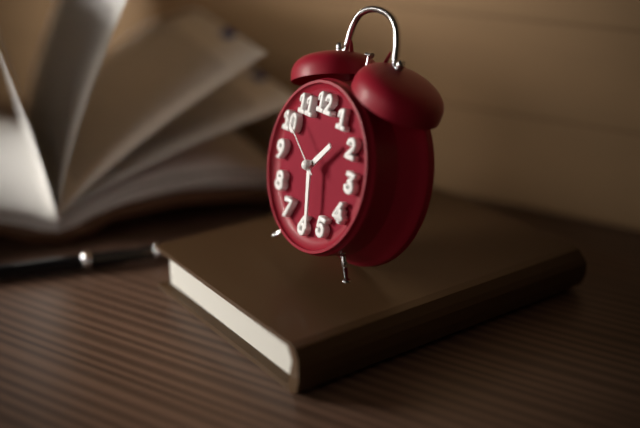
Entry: h=1 m=28 s=51
